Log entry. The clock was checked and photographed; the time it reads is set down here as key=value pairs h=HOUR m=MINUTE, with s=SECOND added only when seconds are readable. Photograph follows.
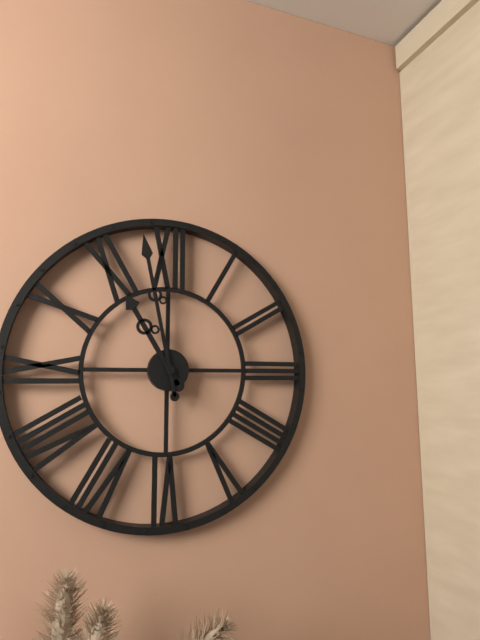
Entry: h=10 m=58
